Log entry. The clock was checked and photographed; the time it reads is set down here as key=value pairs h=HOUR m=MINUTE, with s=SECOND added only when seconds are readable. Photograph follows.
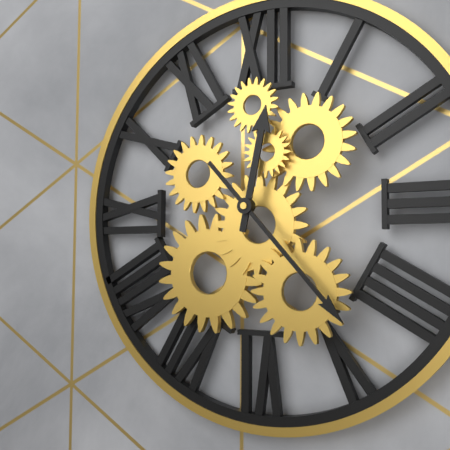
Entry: h=12 m=23
